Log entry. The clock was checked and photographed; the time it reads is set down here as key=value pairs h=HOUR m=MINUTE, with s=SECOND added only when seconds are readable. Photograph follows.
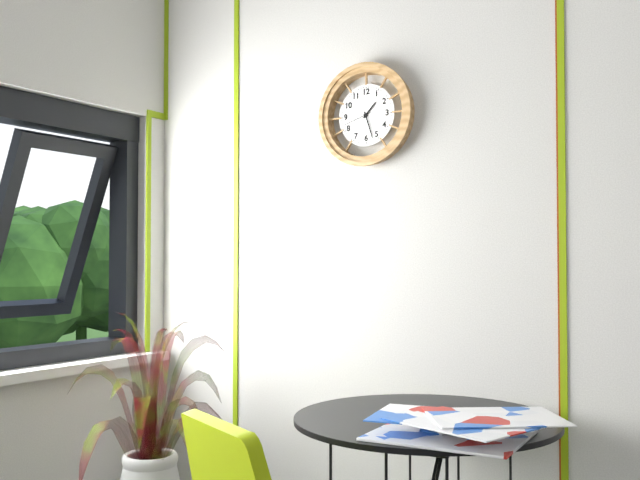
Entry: h=1 m=27
